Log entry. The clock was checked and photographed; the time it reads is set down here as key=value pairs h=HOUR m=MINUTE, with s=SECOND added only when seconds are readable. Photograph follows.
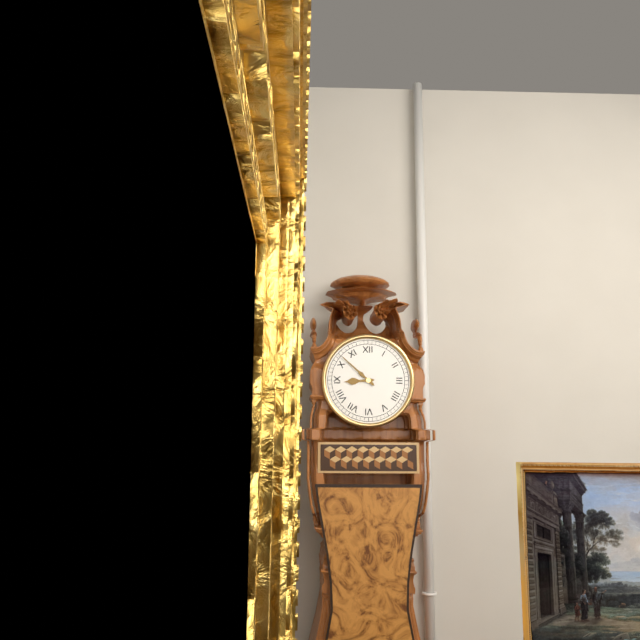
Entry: h=8 m=52
